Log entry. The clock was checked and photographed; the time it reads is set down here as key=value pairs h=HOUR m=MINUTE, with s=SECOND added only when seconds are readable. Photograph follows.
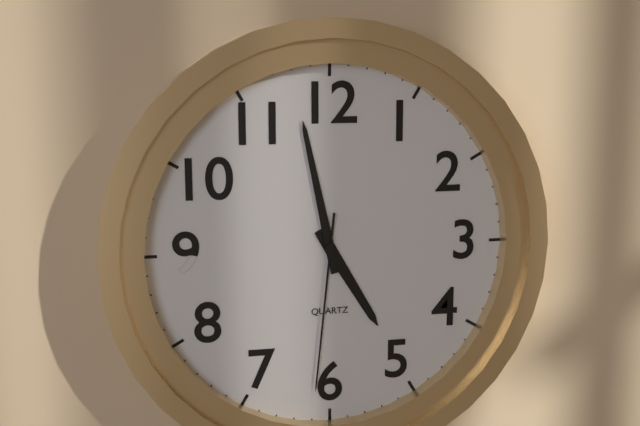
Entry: h=4 m=58 s=31
